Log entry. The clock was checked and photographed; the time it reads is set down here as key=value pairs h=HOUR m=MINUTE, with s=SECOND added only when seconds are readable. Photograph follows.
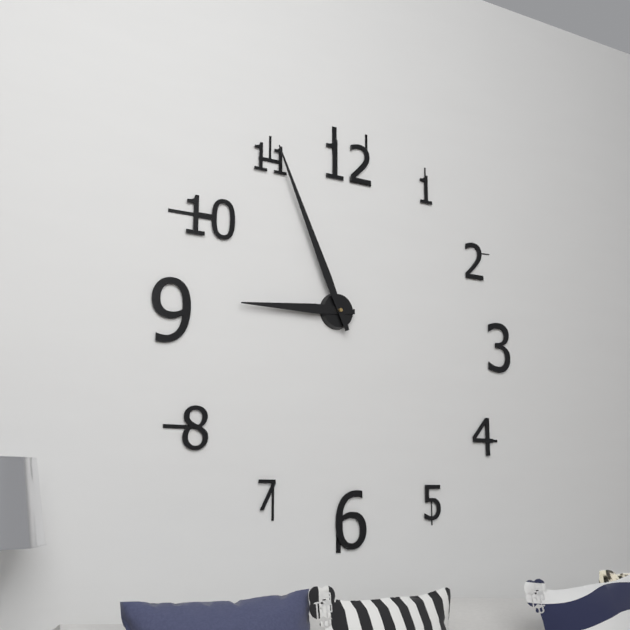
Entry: h=8 m=56
